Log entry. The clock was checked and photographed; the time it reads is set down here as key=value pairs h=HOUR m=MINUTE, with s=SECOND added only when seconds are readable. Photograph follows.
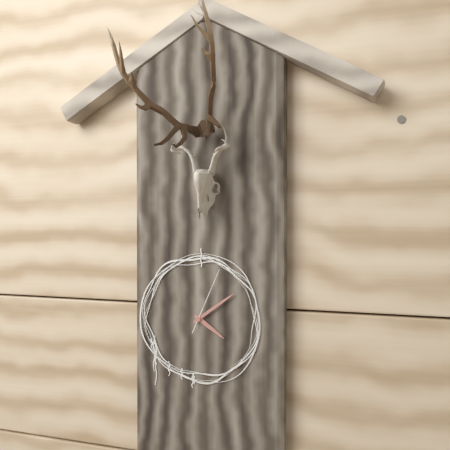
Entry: h=4 m=9 s=4
